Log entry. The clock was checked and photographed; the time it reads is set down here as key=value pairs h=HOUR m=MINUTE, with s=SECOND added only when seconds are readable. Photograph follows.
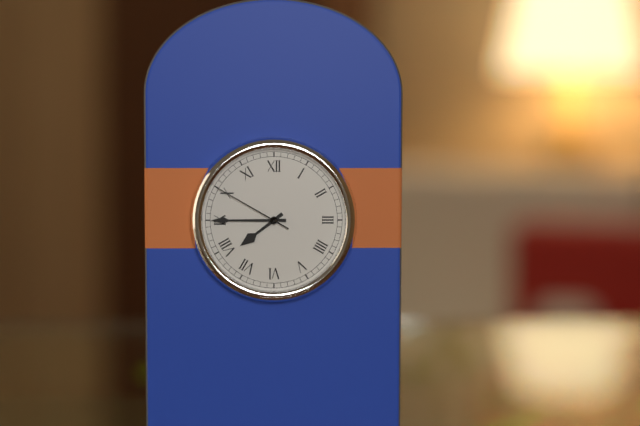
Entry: h=7 m=45 s=50
